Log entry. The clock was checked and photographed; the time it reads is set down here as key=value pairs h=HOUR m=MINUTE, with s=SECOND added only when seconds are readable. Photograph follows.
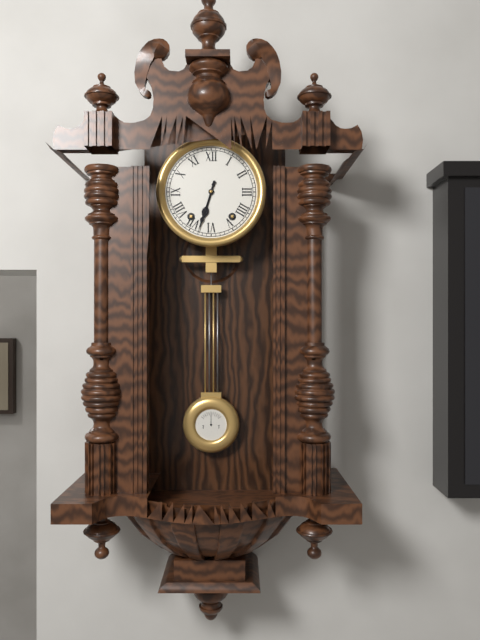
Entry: h=6 m=33
